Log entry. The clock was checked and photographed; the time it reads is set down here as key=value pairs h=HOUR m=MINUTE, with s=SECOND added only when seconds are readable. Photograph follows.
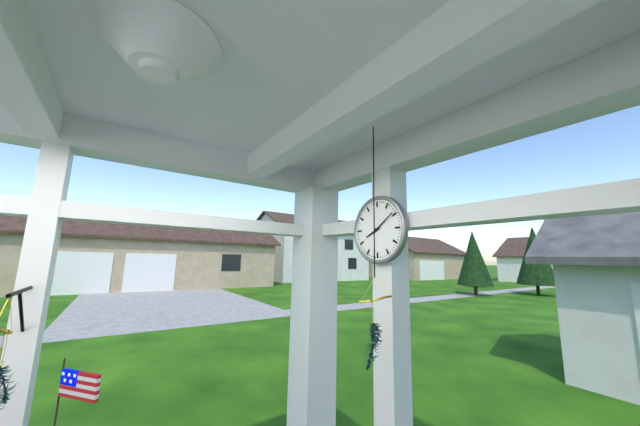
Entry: h=8 m=9
